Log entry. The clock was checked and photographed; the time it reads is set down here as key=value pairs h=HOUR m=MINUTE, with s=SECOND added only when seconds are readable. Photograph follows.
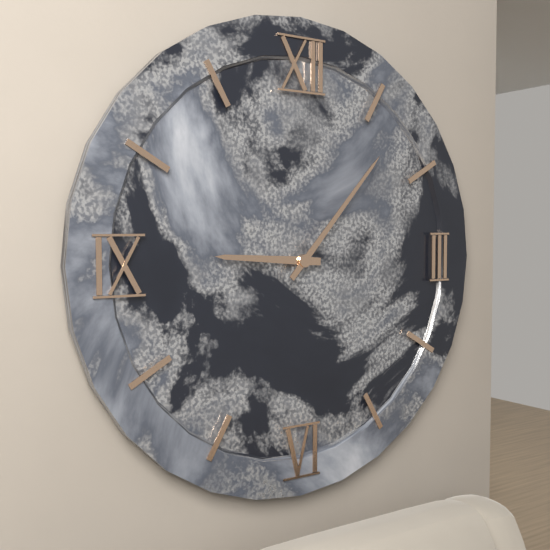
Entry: h=9 m=7
